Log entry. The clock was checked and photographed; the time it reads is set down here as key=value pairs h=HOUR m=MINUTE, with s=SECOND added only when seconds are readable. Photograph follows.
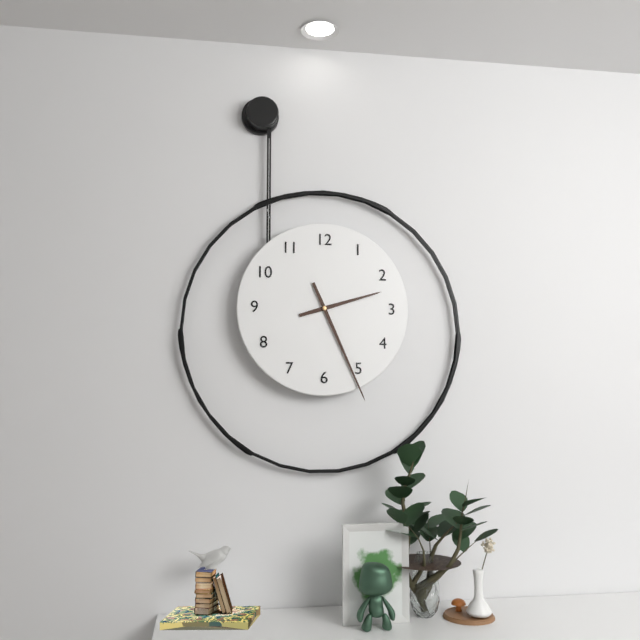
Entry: h=2 m=26
